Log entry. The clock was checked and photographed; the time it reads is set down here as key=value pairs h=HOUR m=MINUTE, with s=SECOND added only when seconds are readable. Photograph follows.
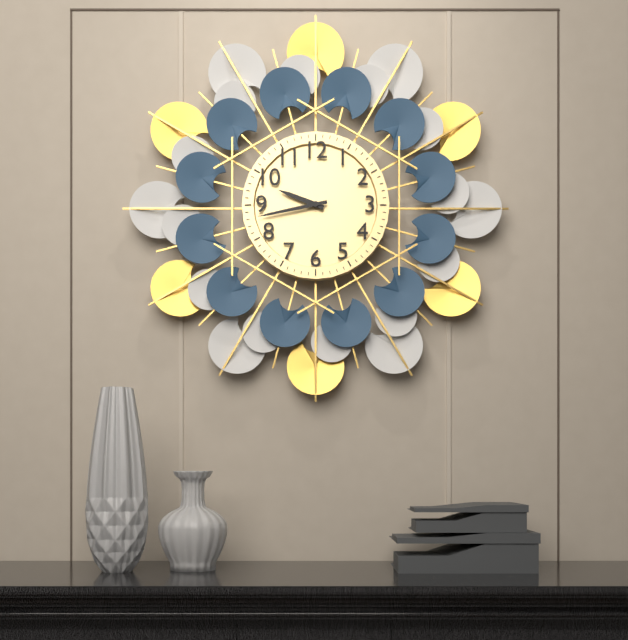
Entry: h=9 m=43
